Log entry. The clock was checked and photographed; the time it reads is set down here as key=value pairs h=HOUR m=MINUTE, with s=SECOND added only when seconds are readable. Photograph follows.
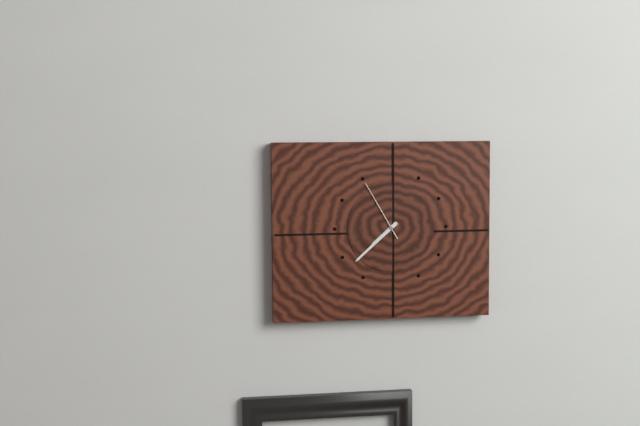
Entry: h=7 m=38 s=55
